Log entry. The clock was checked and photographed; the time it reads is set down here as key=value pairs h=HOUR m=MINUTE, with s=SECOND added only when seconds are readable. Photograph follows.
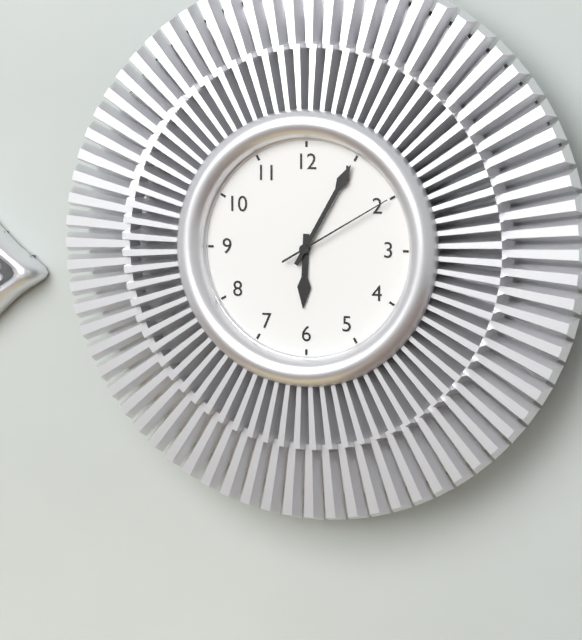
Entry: h=6 m=5 s=10
